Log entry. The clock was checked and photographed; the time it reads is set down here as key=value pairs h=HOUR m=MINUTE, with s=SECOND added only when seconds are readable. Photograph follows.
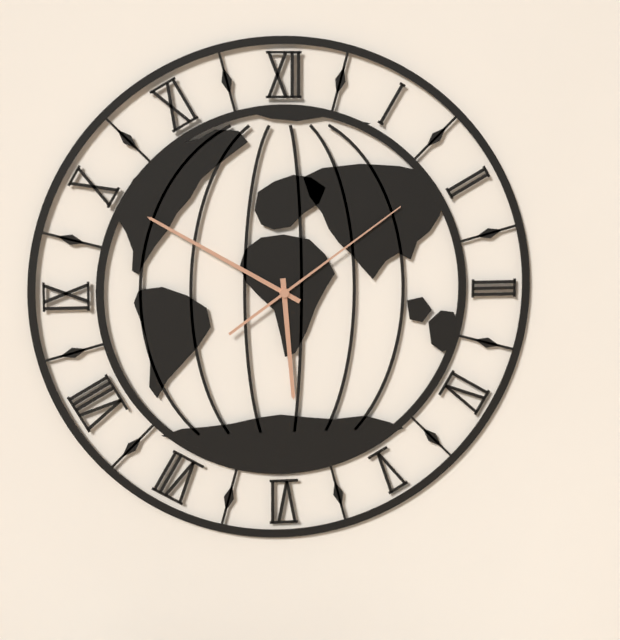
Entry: h=5 m=50 s=9
